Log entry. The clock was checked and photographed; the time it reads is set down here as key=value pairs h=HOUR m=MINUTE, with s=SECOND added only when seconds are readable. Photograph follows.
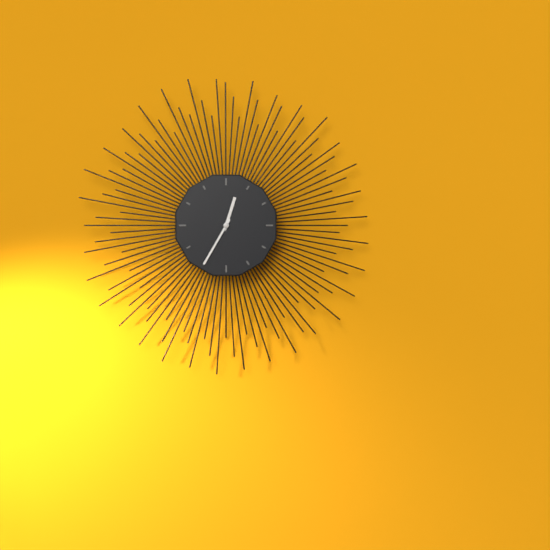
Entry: h=12 m=35
